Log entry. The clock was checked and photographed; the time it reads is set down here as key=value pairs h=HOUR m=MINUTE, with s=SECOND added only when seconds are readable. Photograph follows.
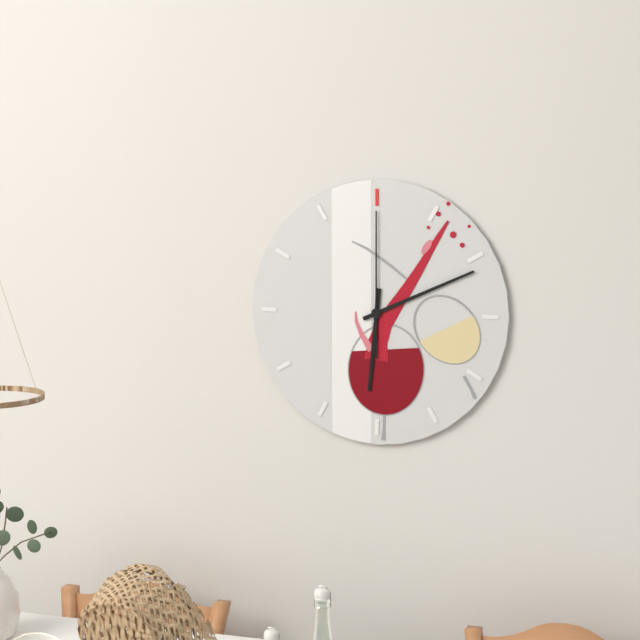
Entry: h=6 m=11 s=0
